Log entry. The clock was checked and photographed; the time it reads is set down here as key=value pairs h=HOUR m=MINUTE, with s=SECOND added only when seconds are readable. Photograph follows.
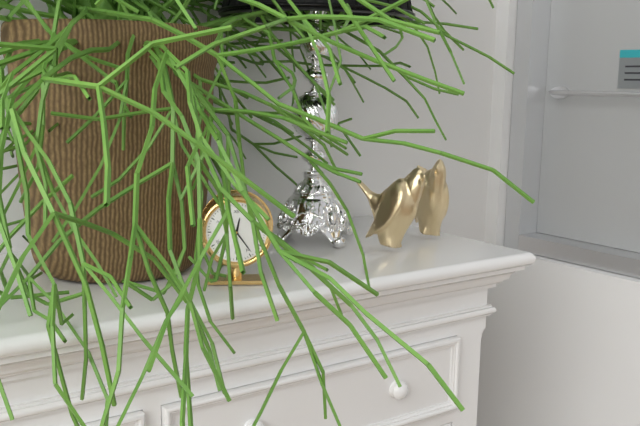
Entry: h=12 m=24
